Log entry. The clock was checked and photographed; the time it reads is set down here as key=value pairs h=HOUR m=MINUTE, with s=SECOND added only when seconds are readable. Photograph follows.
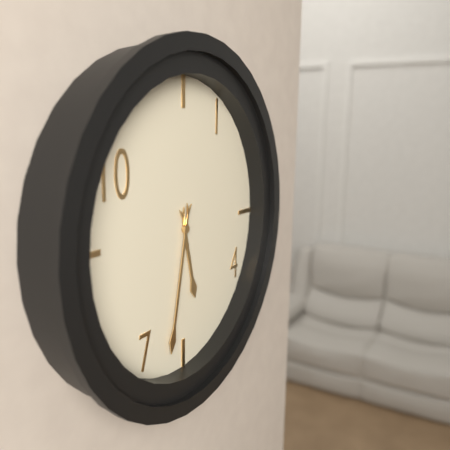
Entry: h=5 m=32
